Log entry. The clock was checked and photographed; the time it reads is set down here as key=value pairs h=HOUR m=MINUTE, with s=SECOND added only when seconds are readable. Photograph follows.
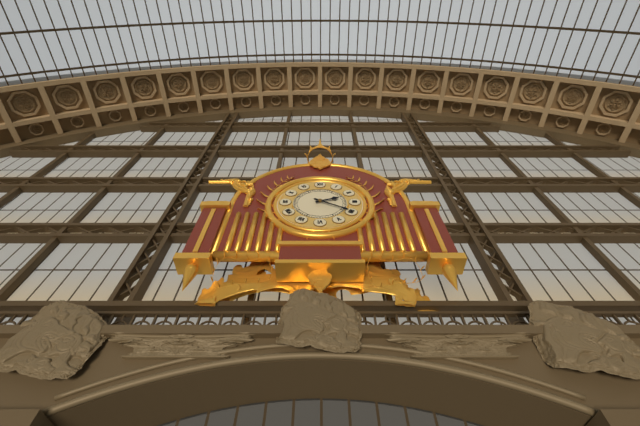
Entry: h=2 m=20
